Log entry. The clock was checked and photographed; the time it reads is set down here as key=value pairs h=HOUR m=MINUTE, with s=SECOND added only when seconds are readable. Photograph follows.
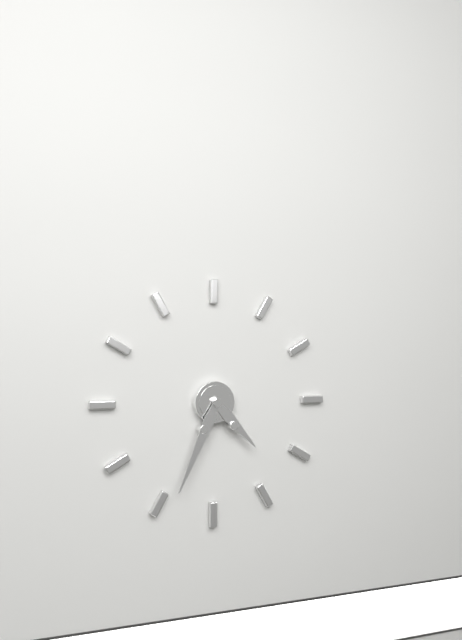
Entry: h=4 m=34
